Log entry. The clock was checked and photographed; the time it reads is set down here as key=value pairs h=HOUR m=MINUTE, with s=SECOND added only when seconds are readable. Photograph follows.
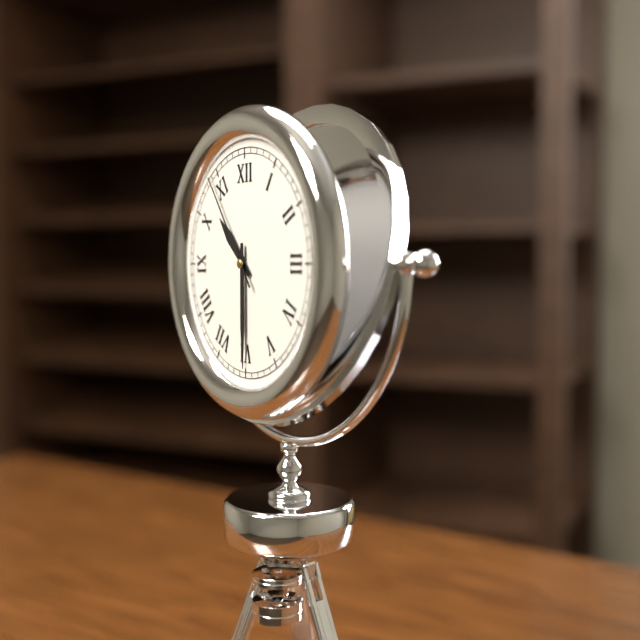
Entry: h=10 m=30 s=54
